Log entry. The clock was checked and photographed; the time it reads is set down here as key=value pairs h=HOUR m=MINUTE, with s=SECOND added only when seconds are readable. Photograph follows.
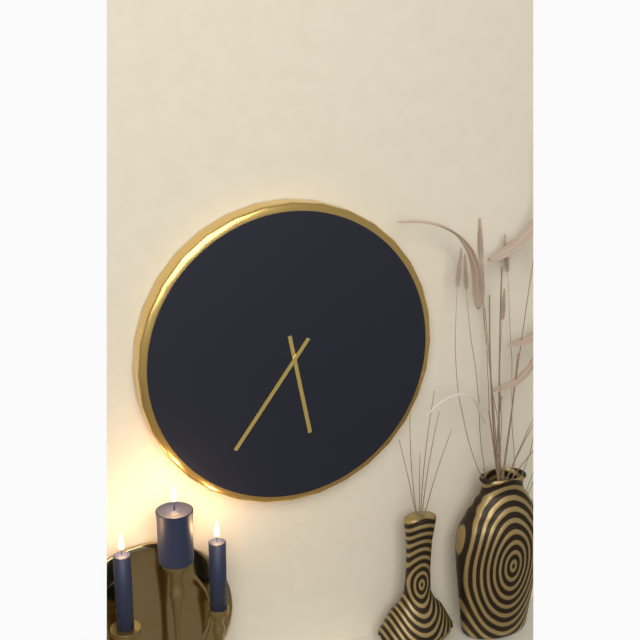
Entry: h=5 m=36
